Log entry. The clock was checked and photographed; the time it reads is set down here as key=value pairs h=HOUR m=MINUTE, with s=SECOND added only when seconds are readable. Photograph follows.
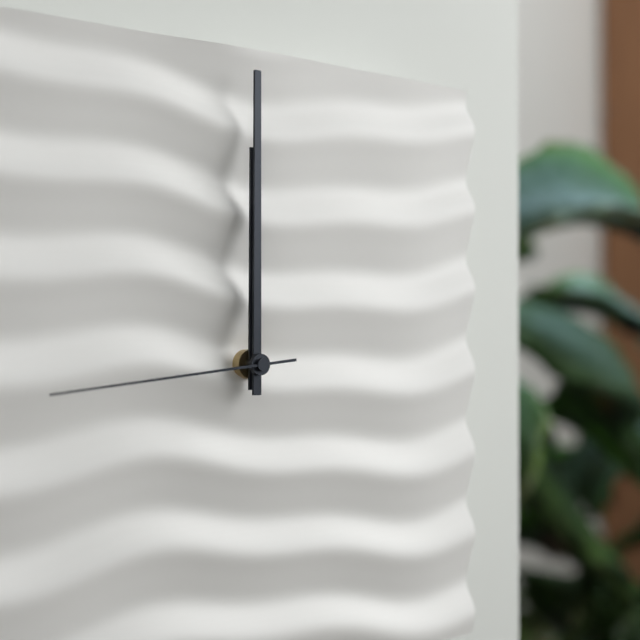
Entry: h=12 m=0 s=44
